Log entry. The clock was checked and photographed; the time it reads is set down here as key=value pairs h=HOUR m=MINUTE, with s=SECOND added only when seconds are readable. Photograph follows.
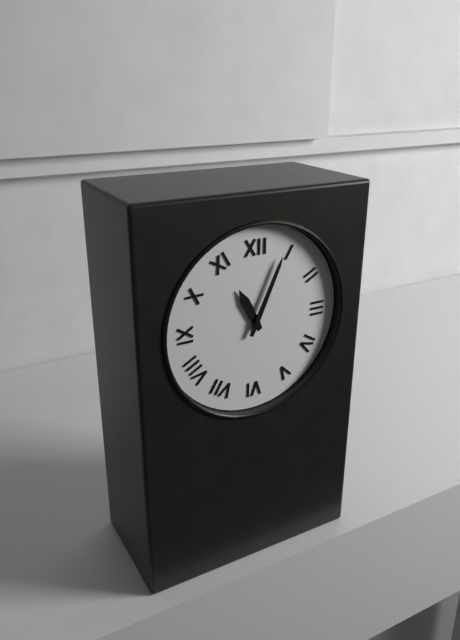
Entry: h=11 m=4
